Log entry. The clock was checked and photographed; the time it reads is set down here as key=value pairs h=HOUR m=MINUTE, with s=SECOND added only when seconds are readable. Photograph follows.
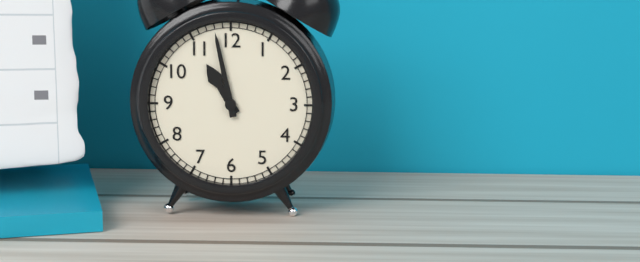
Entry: h=10 m=58
